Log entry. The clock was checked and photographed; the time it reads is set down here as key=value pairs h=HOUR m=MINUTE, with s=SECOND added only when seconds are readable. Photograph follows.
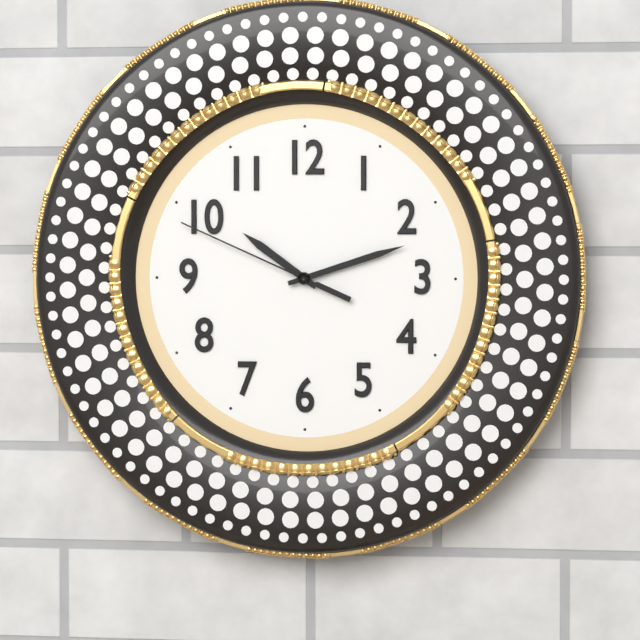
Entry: h=10 m=12 s=49
